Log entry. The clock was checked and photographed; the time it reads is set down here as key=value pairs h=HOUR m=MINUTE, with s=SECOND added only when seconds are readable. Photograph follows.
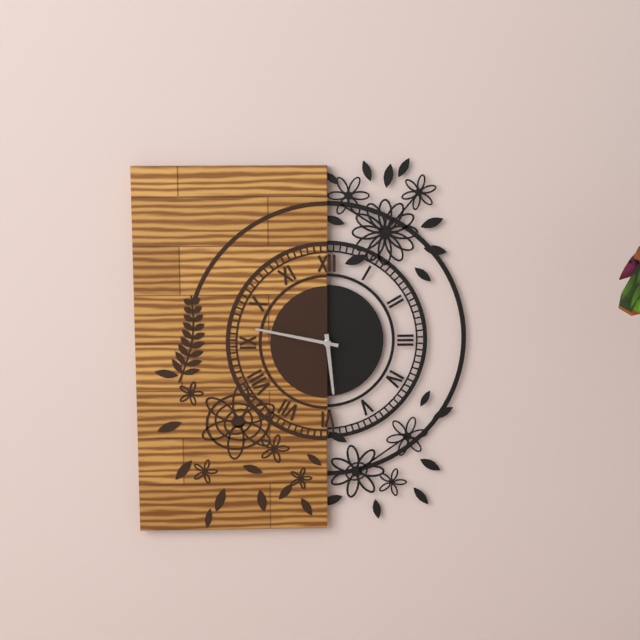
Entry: h=5 m=47
